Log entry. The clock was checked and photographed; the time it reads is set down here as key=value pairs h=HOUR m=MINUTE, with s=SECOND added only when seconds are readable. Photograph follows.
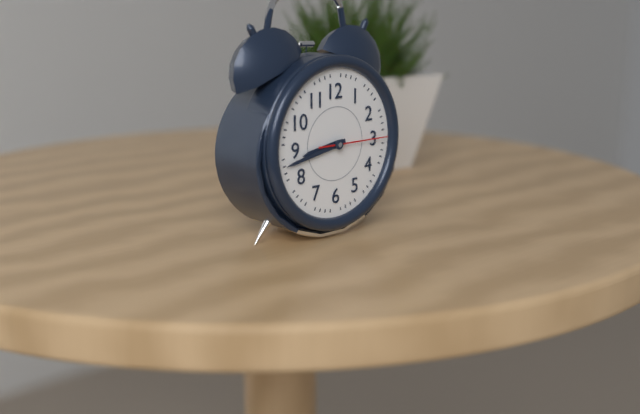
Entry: h=8 m=43 s=15
